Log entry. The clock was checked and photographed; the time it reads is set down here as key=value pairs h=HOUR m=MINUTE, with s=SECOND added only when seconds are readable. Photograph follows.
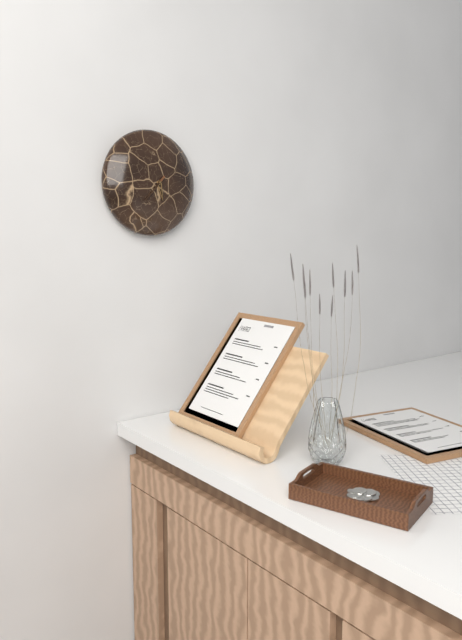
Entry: h=5 m=37
